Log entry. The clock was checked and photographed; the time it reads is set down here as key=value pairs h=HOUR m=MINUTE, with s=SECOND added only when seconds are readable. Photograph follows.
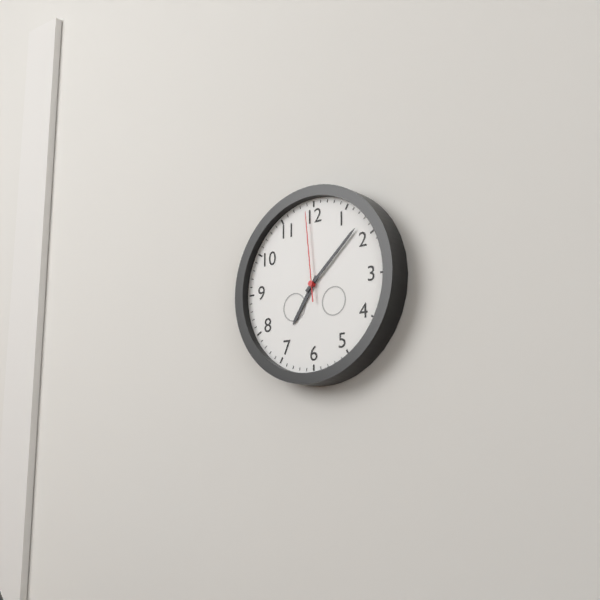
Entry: h=7 m=8 s=59
